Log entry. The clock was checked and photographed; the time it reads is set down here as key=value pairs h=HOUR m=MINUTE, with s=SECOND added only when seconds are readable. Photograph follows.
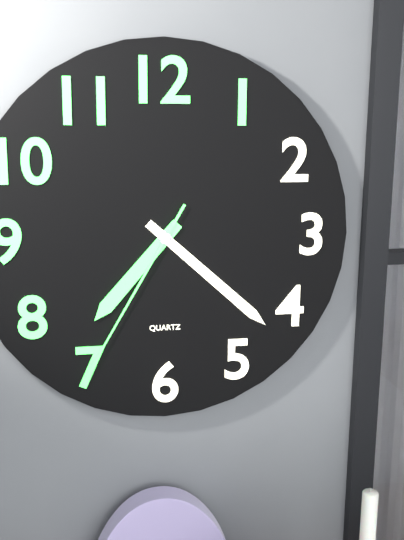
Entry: h=7 m=22 s=35
